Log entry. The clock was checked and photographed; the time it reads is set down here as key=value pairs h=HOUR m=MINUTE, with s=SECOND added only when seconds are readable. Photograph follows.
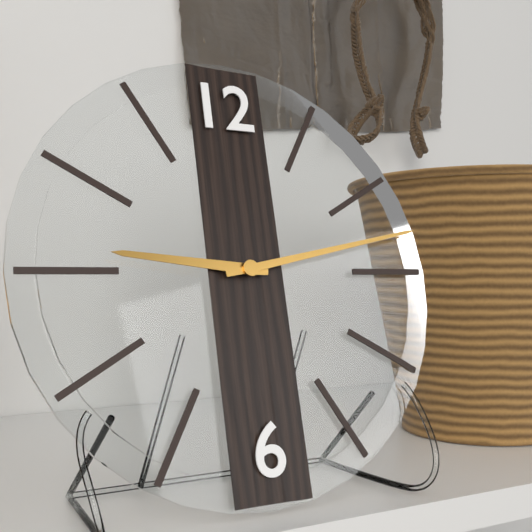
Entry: h=9 m=13
